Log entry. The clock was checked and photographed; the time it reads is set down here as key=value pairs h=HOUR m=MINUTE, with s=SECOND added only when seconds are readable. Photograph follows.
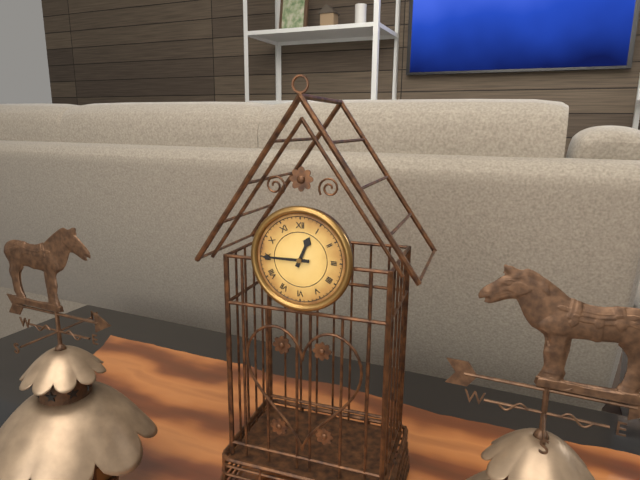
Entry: h=12 m=45
